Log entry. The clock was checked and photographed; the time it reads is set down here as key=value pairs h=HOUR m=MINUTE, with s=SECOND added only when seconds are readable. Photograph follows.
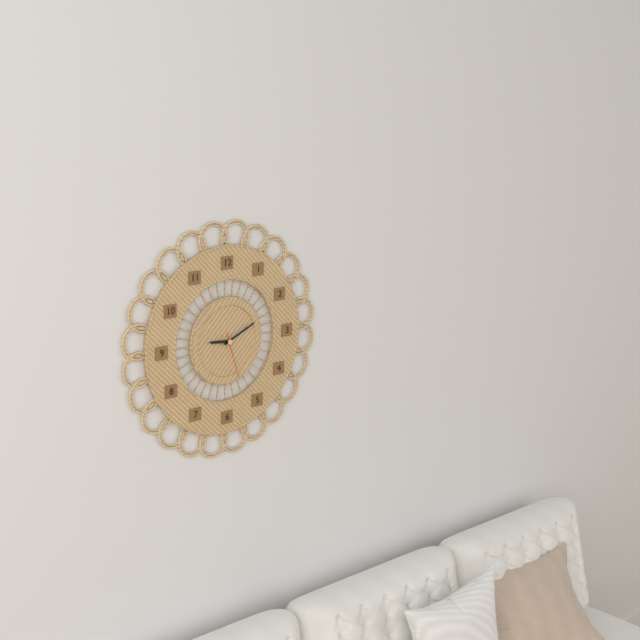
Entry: h=9 m=11
